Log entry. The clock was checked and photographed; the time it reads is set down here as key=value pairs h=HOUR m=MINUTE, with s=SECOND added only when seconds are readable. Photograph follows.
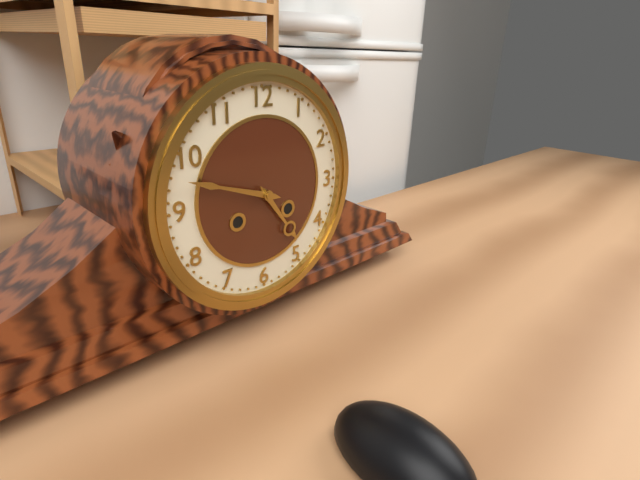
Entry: h=4 m=48
